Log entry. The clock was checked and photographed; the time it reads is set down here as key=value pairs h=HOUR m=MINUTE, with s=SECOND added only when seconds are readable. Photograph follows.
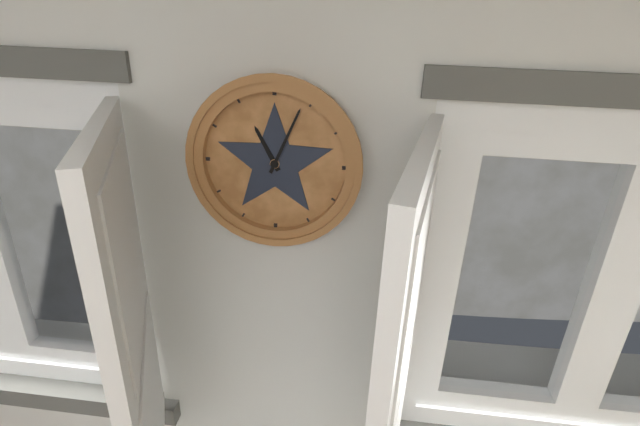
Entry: h=11 m=4
